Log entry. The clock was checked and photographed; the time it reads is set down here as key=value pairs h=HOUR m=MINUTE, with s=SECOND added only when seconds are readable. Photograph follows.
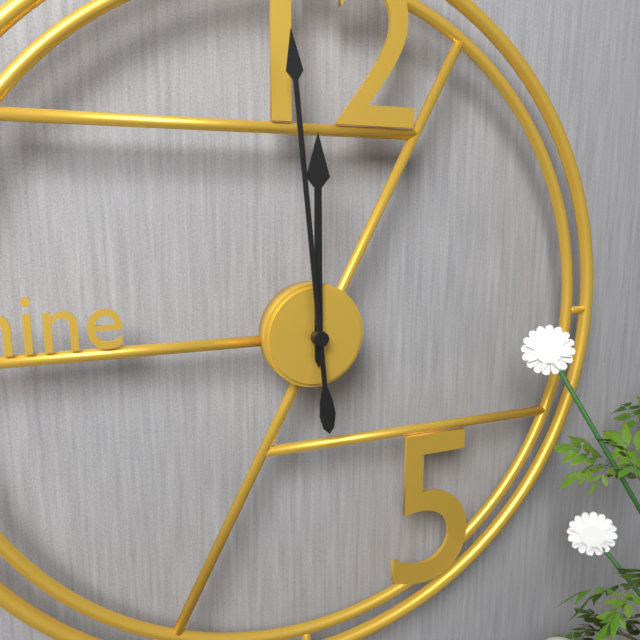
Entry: h=11 m=59
